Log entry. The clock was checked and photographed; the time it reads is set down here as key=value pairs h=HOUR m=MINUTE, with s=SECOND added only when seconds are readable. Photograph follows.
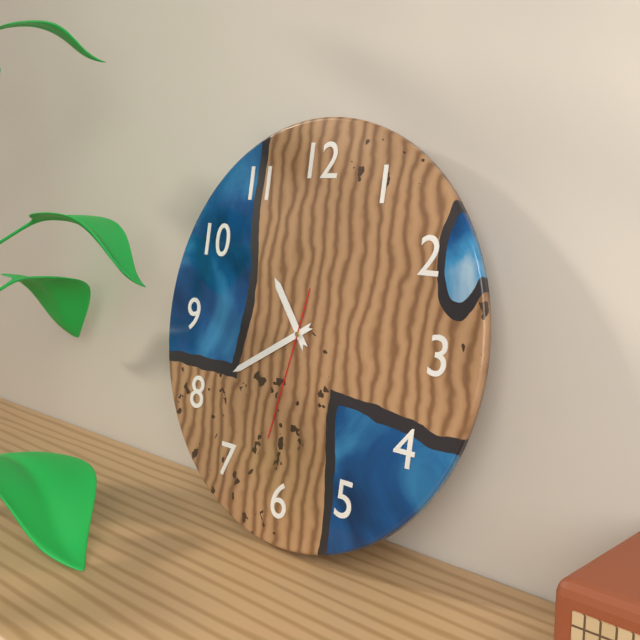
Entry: h=10 m=40 s=32
